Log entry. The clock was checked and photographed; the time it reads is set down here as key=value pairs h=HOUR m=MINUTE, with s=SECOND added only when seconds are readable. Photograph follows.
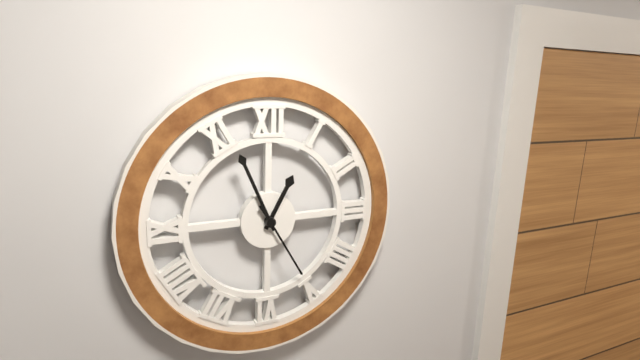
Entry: h=12 m=56 s=25
